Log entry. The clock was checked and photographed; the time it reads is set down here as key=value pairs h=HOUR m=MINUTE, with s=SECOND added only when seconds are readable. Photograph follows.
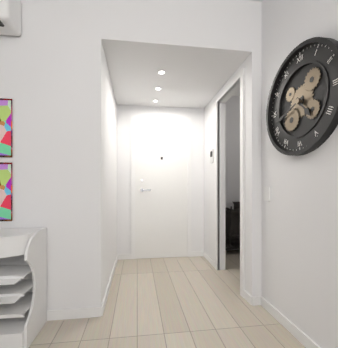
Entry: h=4 m=42
